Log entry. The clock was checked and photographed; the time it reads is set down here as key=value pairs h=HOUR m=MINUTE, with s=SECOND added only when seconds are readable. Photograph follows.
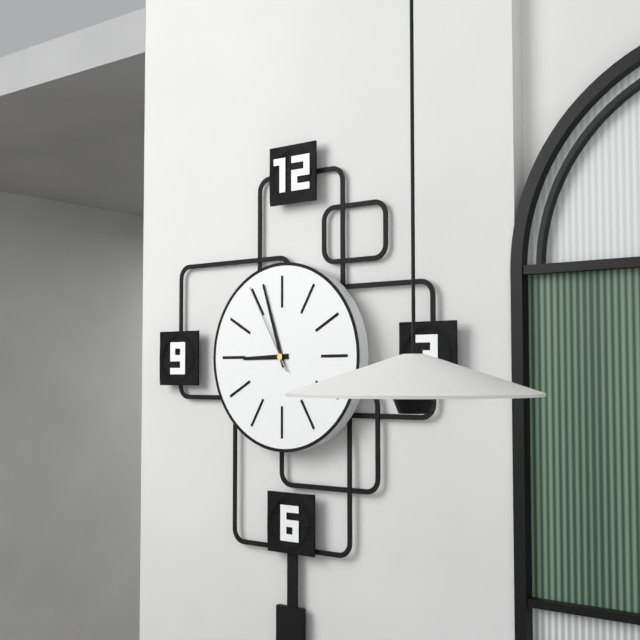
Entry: h=8 m=57 s=55
